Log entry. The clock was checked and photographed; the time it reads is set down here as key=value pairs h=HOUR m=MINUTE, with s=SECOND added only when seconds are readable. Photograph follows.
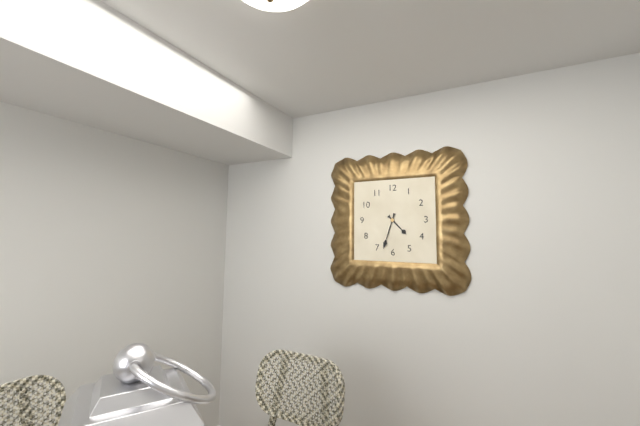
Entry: h=4 m=33
